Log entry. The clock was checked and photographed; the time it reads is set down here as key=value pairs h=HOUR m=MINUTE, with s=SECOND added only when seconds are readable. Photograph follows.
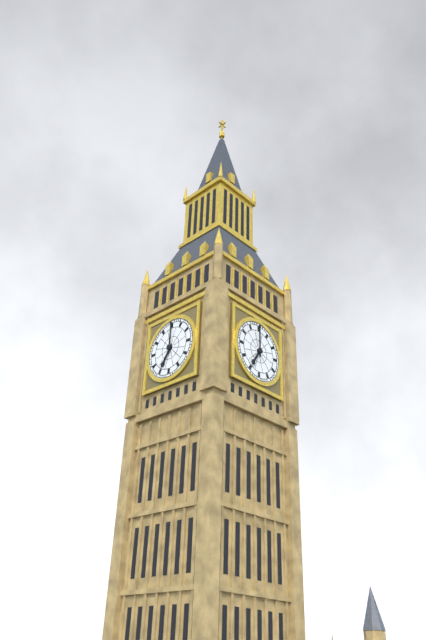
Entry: h=7 m=0
